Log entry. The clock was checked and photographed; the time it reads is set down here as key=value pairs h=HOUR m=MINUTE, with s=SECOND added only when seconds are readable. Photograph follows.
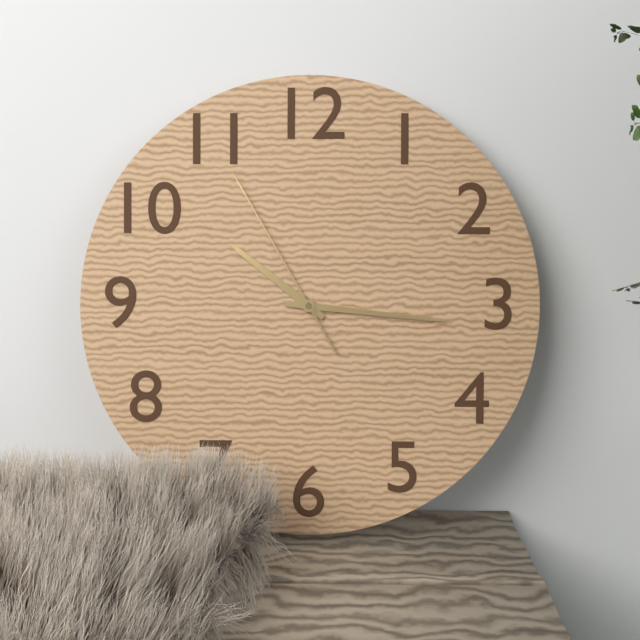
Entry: h=10 m=16 s=55
